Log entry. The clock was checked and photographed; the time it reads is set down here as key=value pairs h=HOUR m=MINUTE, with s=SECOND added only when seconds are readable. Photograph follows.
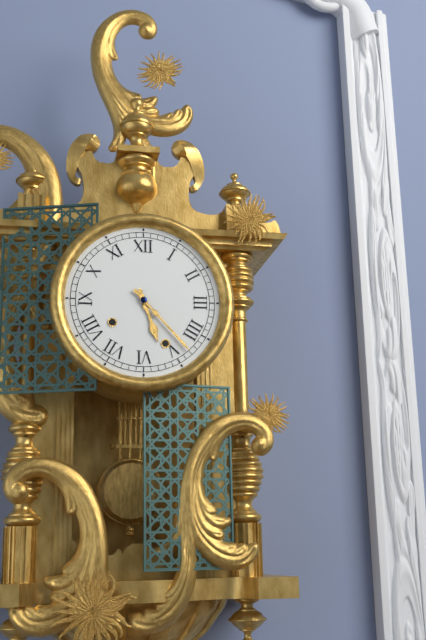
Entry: h=5 m=23
